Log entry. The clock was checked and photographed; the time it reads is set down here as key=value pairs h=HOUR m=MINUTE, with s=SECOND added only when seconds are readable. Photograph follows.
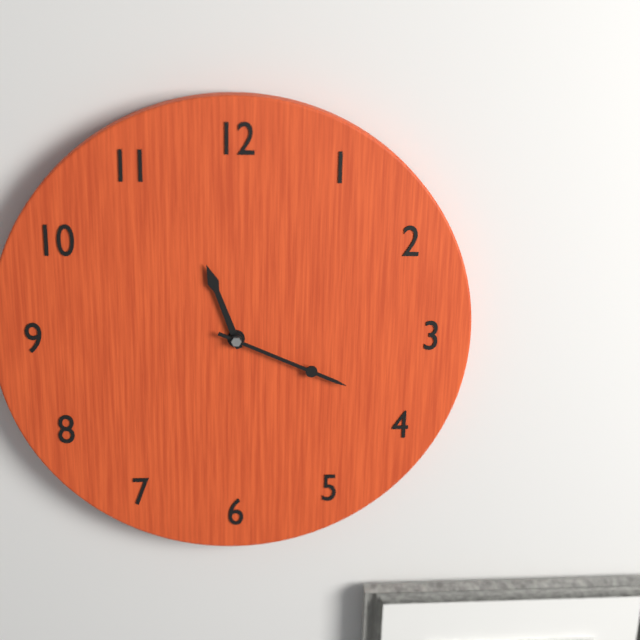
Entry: h=11 m=19
